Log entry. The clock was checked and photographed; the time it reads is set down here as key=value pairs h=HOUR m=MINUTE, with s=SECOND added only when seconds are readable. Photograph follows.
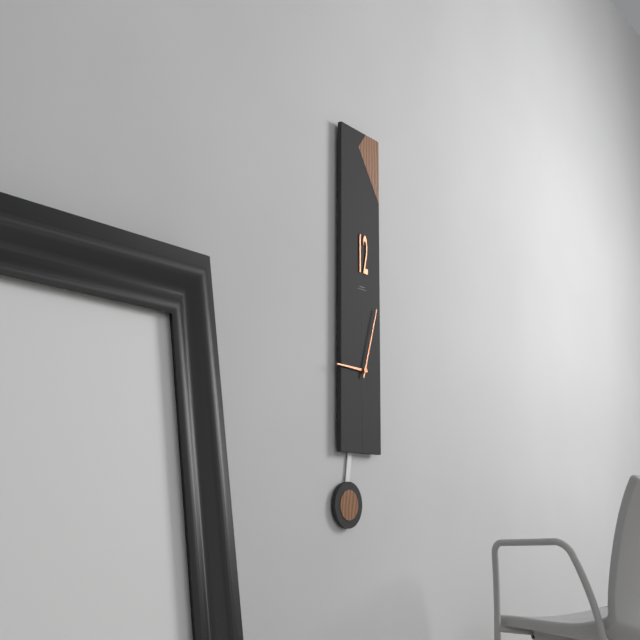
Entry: h=9 m=3
